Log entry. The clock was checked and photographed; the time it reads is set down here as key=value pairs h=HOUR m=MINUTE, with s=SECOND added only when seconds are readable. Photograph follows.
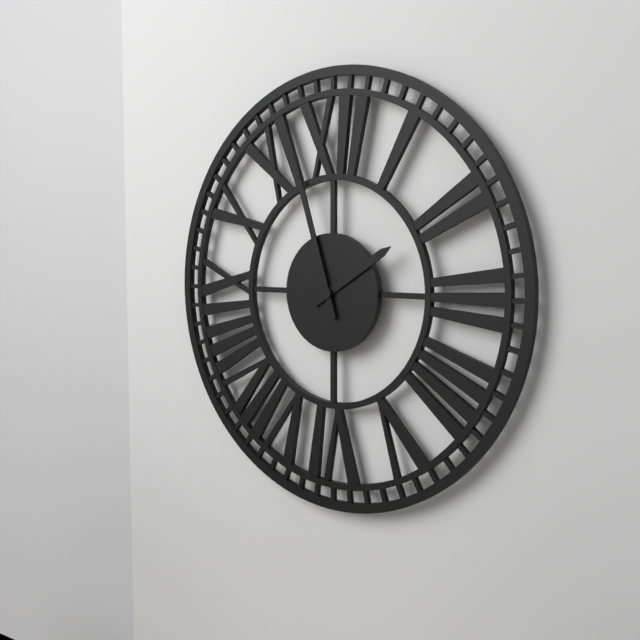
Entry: h=1 m=57
